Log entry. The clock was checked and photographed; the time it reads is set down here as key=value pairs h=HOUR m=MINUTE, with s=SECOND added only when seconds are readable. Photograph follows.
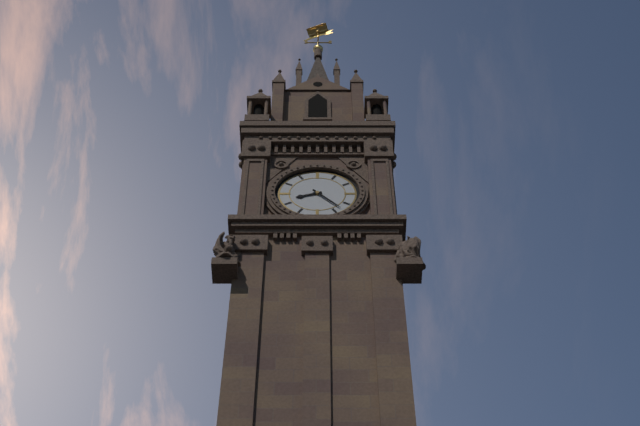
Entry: h=8 m=23
